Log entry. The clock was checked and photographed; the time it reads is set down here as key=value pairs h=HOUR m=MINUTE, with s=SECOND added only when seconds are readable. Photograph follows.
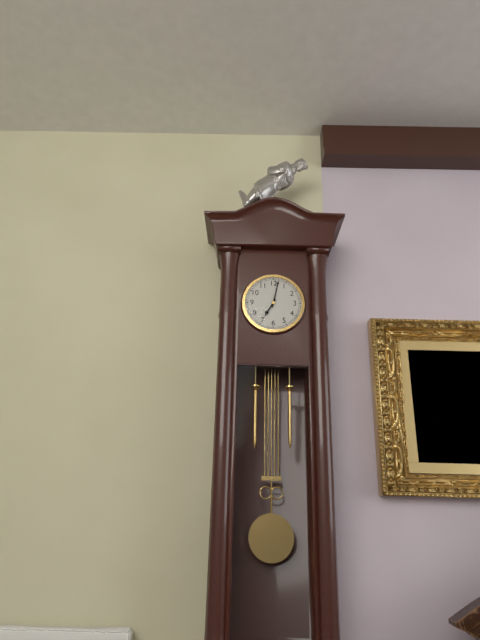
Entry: h=7 m=2
